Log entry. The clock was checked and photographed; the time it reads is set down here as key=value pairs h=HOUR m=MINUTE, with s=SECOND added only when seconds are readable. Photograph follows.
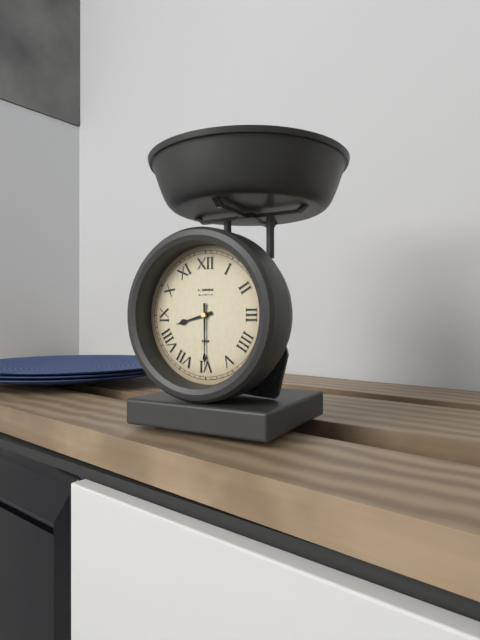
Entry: h=8 m=30
